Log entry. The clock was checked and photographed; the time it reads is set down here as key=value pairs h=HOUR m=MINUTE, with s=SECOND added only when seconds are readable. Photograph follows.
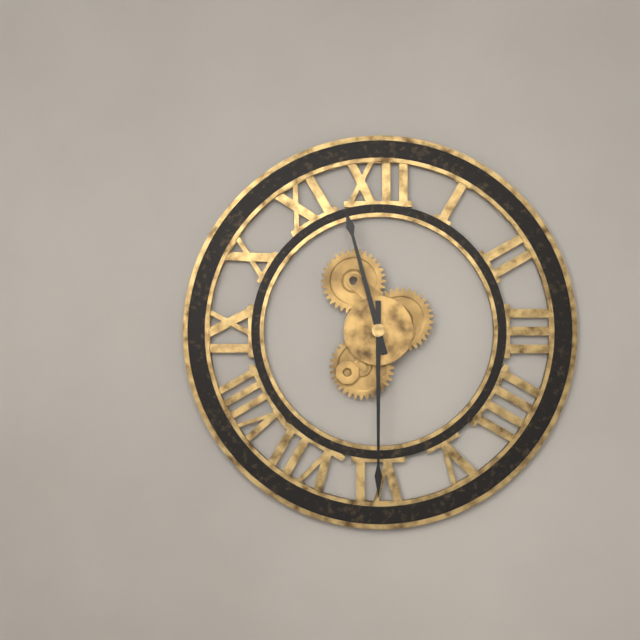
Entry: h=11 m=30
